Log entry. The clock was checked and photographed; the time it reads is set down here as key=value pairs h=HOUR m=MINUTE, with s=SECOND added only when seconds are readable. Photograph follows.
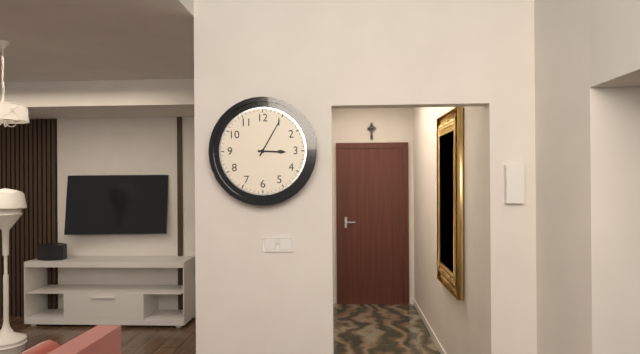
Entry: h=3 m=5
